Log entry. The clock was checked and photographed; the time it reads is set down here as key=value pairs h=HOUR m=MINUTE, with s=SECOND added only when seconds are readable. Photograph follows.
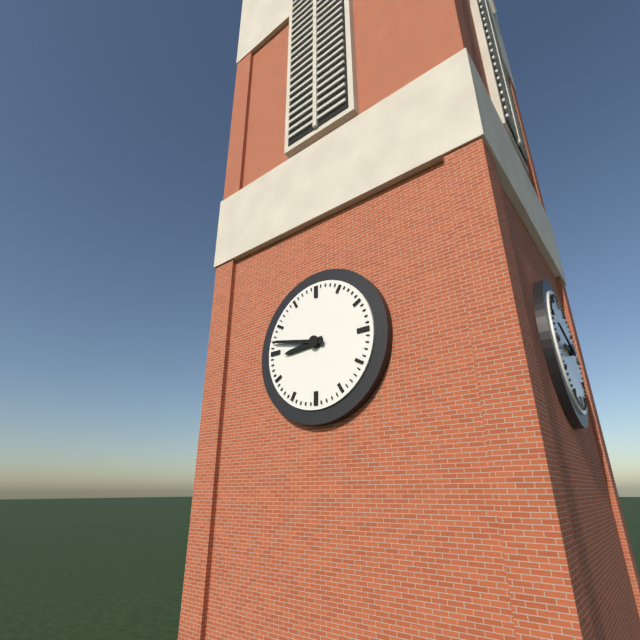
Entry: h=8 m=47
